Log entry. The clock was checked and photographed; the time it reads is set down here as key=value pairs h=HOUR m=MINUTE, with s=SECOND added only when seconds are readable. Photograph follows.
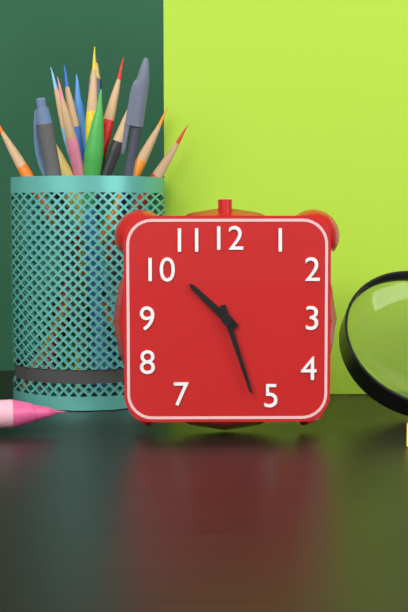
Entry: h=10 m=27
